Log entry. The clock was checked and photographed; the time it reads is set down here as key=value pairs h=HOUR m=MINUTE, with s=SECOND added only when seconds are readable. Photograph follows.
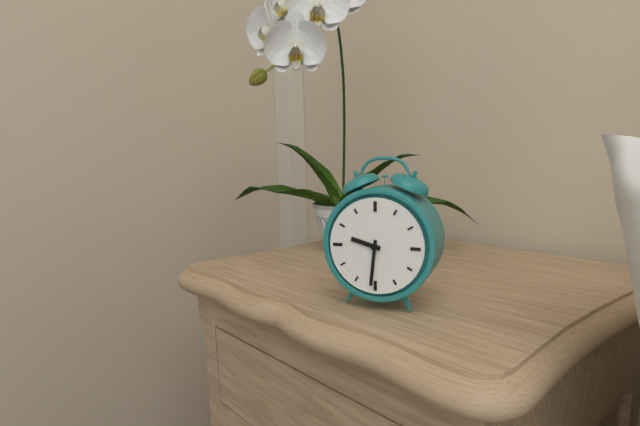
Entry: h=9 m=31
